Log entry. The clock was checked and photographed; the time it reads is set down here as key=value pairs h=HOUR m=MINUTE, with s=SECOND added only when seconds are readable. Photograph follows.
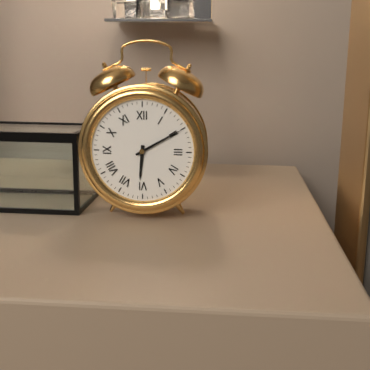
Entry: h=6 m=10
